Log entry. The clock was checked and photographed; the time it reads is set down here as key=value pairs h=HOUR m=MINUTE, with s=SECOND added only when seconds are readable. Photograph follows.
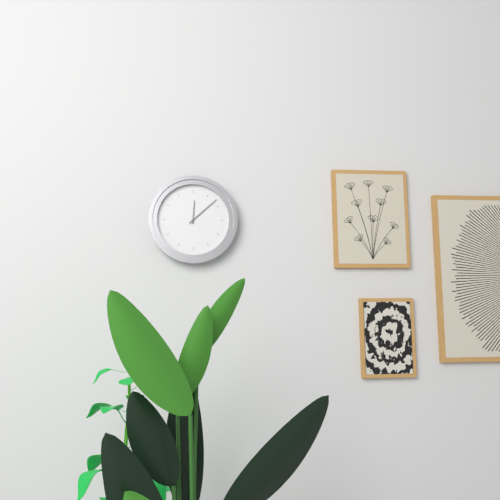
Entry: h=12 m=8
